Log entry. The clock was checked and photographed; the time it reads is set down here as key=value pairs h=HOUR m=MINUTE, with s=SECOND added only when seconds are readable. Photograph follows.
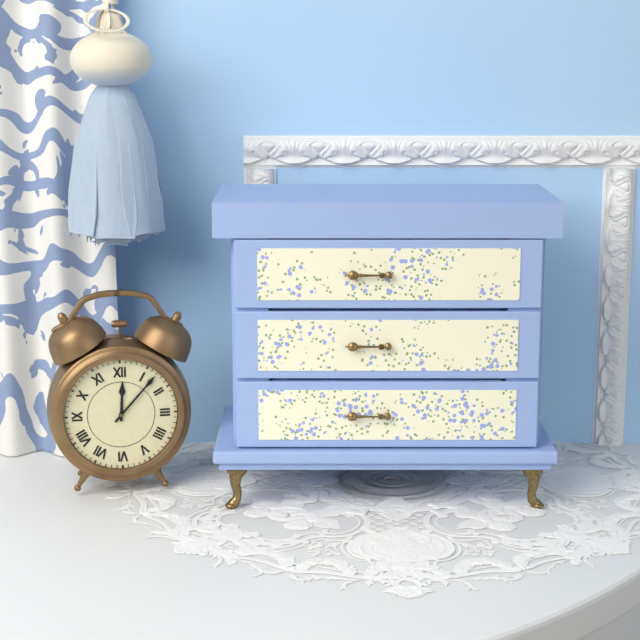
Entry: h=12 m=7
